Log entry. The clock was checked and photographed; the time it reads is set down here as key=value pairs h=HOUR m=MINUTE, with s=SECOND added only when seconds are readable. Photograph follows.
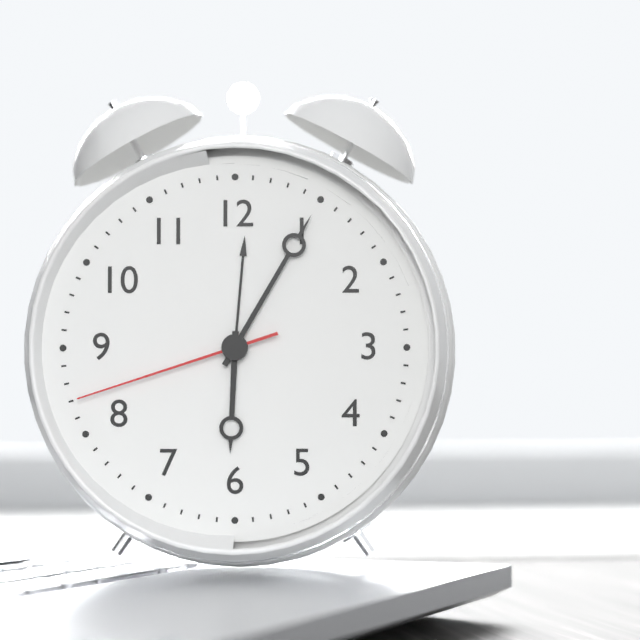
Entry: h=6 m=5 s=42
